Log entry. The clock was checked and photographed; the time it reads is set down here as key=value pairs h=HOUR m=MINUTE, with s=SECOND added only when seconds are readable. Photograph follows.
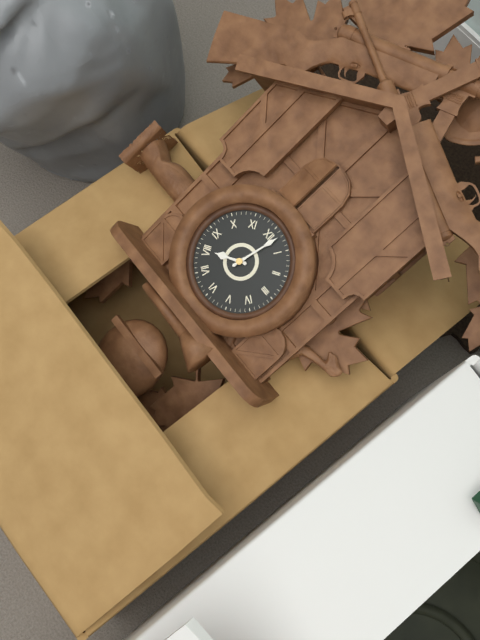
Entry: h=8 m=2
